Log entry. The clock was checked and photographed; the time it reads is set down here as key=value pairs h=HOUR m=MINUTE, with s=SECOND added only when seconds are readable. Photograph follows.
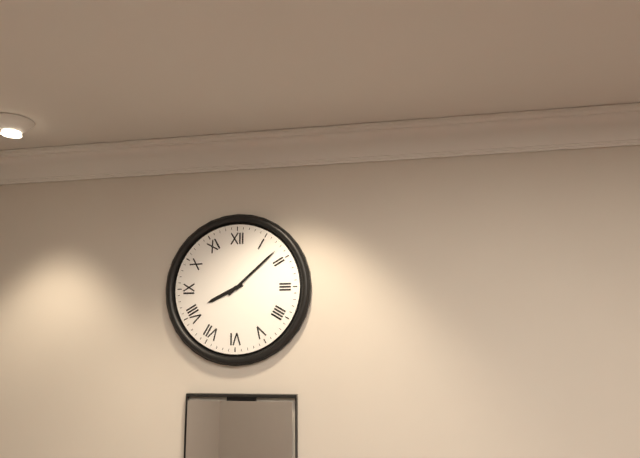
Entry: h=8 m=8
